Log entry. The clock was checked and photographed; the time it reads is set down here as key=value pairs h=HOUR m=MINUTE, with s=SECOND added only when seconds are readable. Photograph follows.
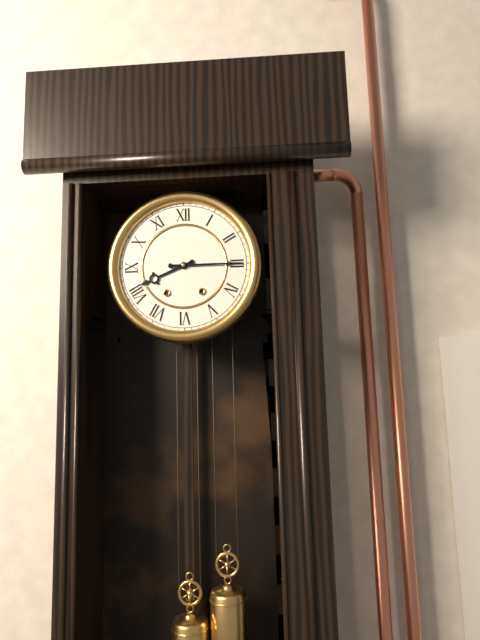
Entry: h=8 m=15
